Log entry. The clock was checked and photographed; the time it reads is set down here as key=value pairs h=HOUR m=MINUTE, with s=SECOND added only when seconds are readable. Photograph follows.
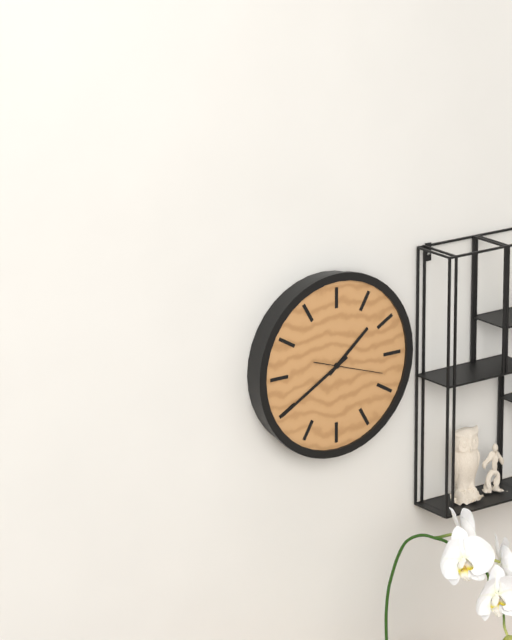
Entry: h=1 m=40 s=18
